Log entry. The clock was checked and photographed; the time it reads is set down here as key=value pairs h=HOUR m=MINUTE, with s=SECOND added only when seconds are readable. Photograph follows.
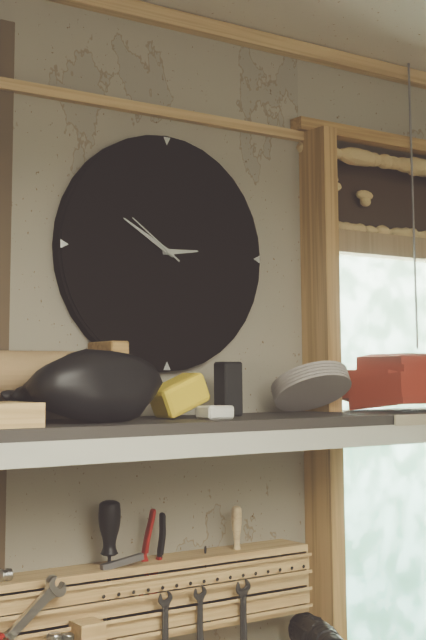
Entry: h=2 m=50 s=51
